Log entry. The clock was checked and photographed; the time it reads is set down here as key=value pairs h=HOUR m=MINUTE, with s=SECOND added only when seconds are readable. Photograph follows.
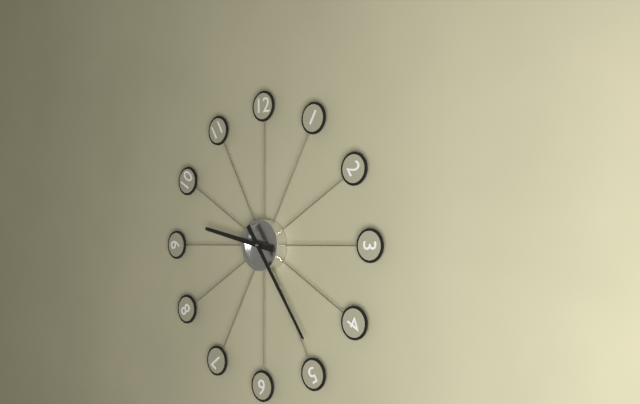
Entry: h=9 m=24
